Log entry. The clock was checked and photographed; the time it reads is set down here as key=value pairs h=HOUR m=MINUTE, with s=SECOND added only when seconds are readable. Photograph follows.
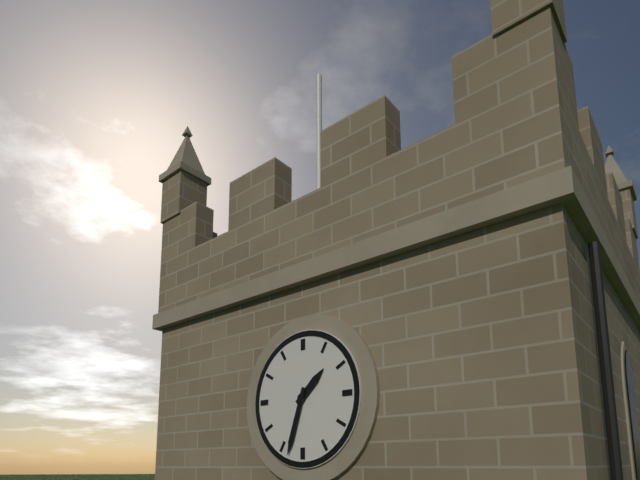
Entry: h=1 m=33
